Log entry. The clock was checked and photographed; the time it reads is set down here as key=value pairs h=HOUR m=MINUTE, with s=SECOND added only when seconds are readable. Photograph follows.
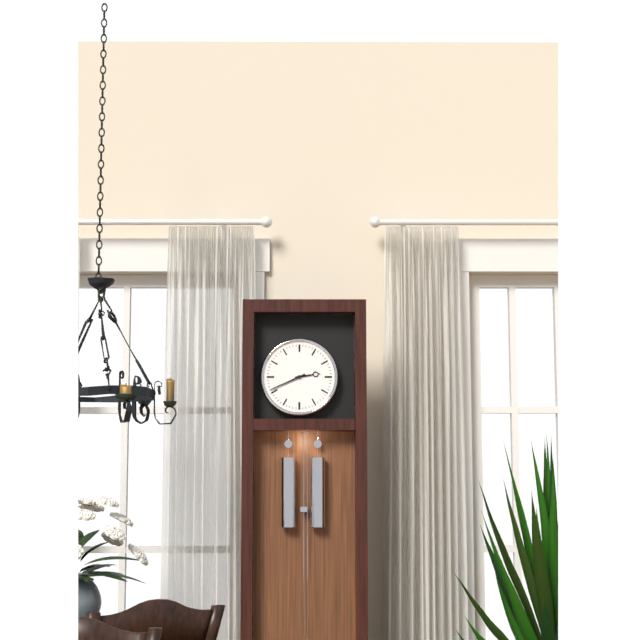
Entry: h=2 m=41
